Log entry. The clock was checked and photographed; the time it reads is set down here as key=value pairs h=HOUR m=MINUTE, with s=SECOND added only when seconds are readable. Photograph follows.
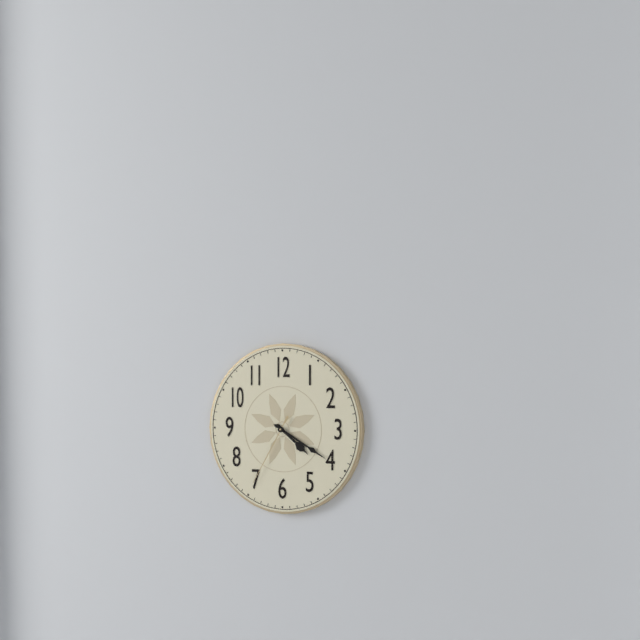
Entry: h=4 m=20 s=35
